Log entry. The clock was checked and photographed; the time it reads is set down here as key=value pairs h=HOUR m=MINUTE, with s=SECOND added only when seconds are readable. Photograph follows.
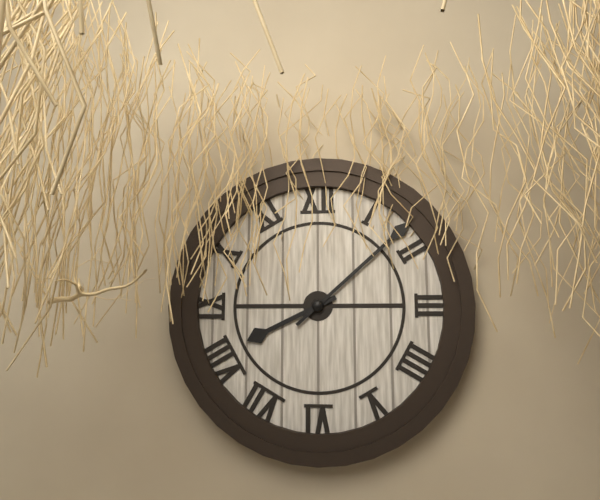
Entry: h=8 m=8
